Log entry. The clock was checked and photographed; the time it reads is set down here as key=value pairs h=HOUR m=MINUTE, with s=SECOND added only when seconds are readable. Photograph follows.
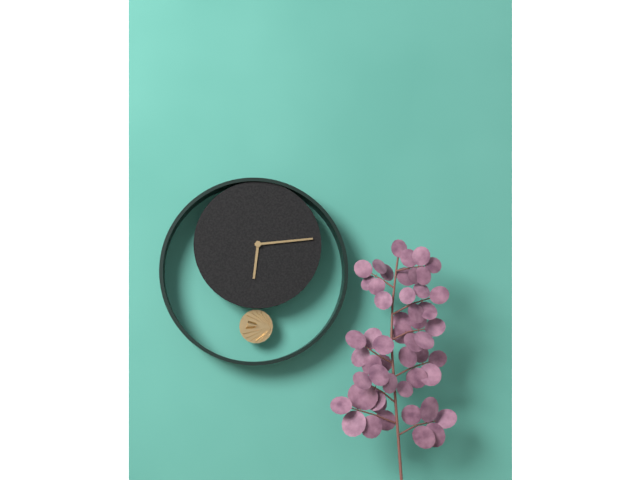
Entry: h=6 m=14
